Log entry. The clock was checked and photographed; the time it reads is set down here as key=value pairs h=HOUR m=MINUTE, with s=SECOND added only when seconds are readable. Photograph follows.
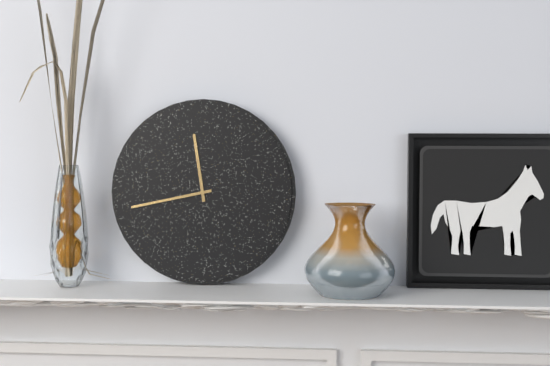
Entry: h=11 m=43
